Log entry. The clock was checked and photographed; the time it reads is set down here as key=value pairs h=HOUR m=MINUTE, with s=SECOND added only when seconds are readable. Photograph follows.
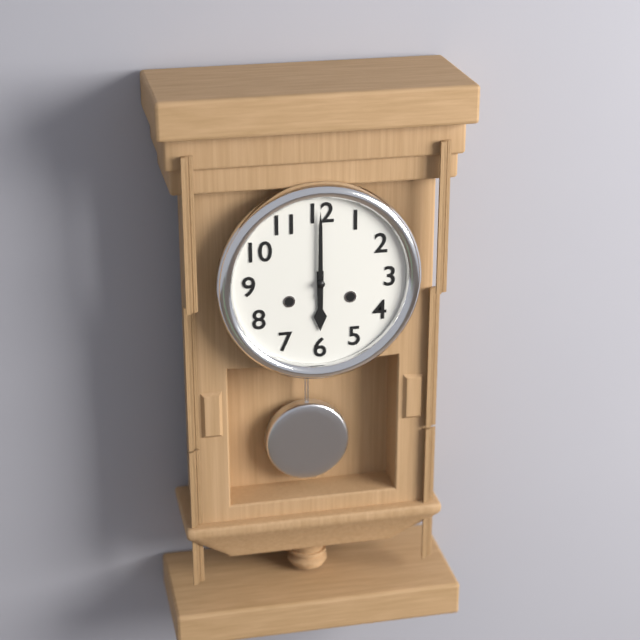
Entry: h=6 m=0
